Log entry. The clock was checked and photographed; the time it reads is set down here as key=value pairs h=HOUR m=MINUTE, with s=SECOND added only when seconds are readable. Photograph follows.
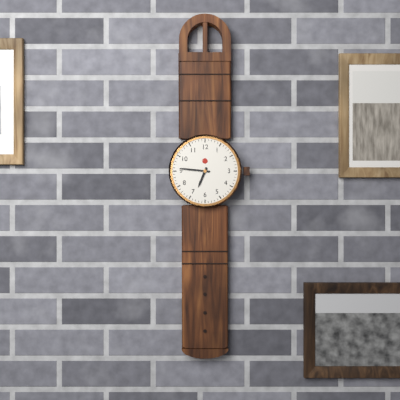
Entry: h=6 m=46
